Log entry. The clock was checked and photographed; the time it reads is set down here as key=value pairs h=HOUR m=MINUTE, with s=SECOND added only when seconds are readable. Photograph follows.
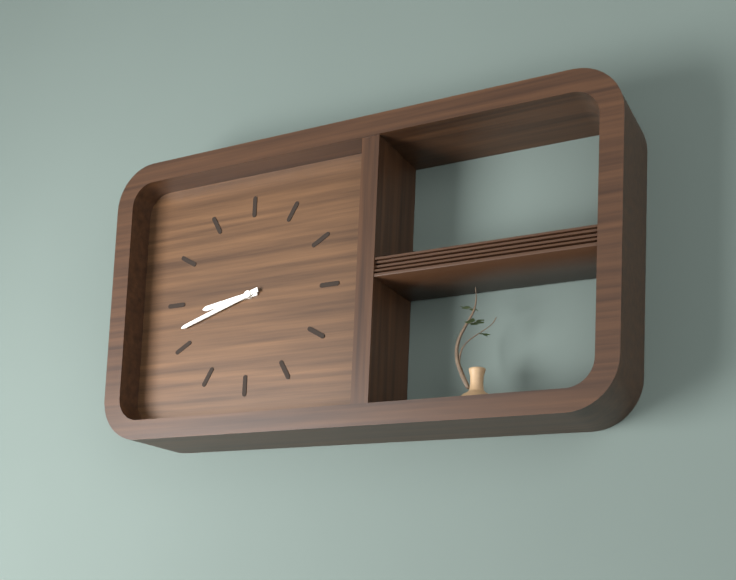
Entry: h=8 m=42
